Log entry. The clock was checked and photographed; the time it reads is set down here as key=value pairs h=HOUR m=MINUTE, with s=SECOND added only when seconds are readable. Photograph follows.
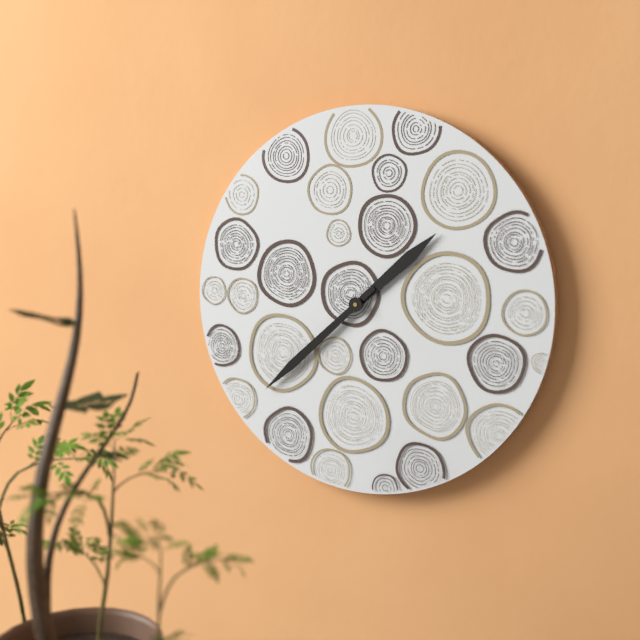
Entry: h=1 m=38
